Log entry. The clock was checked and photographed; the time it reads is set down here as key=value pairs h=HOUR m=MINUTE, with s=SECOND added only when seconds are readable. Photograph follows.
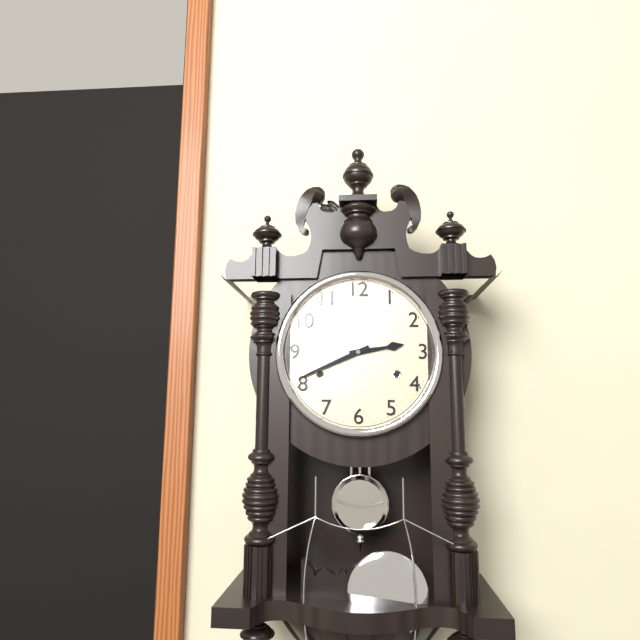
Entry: h=2 m=41
